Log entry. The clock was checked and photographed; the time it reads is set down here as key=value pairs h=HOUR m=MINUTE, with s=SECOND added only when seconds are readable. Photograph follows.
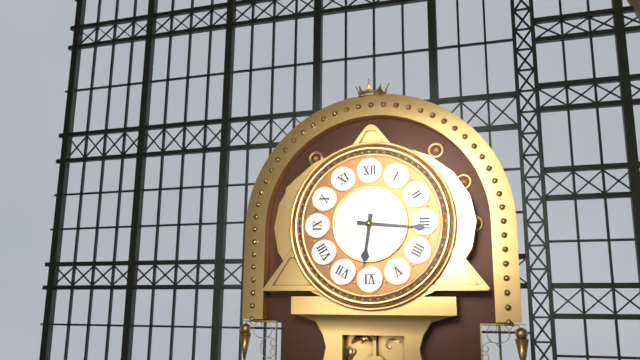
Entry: h=6 m=16
